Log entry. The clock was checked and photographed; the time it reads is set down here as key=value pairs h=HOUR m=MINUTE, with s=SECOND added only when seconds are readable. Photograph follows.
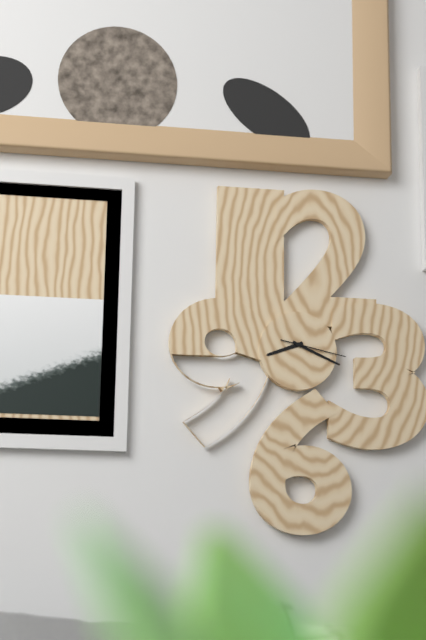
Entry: h=8 m=19 s=17
